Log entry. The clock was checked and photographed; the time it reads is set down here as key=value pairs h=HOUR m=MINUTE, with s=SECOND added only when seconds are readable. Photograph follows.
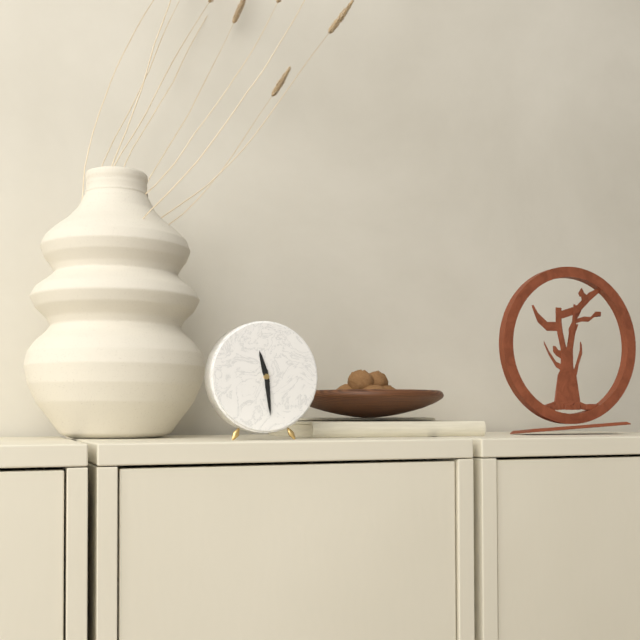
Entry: h=11 m=29
